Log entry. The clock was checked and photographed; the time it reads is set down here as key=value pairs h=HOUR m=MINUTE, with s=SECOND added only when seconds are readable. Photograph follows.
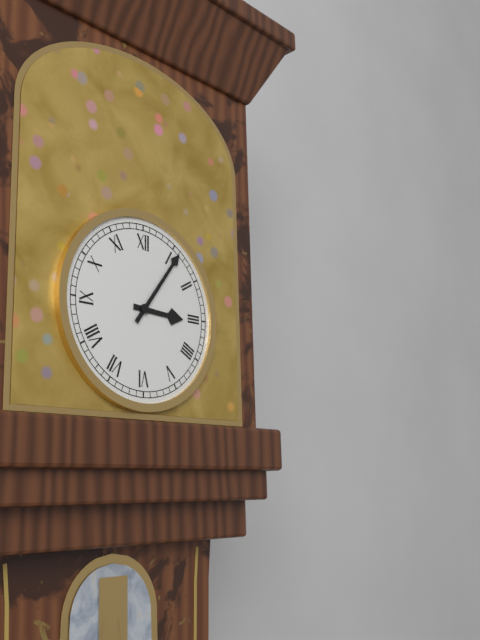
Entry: h=3 m=6
